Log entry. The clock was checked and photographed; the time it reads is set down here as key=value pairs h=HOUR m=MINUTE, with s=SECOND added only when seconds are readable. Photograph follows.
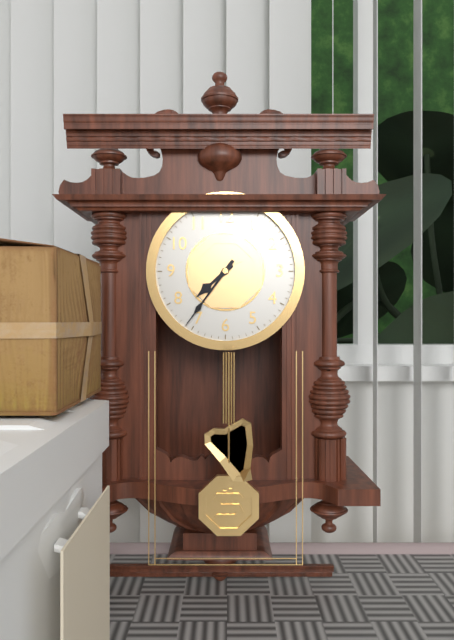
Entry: h=7 m=36
